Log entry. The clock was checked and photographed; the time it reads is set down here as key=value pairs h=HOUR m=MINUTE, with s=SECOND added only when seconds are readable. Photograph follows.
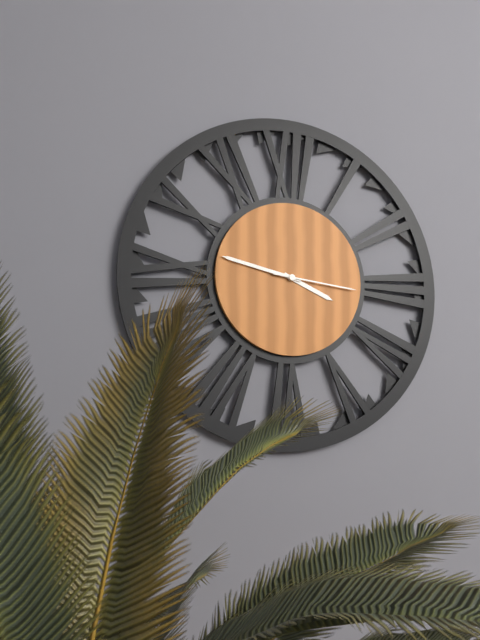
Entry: h=3 m=47 s=16
